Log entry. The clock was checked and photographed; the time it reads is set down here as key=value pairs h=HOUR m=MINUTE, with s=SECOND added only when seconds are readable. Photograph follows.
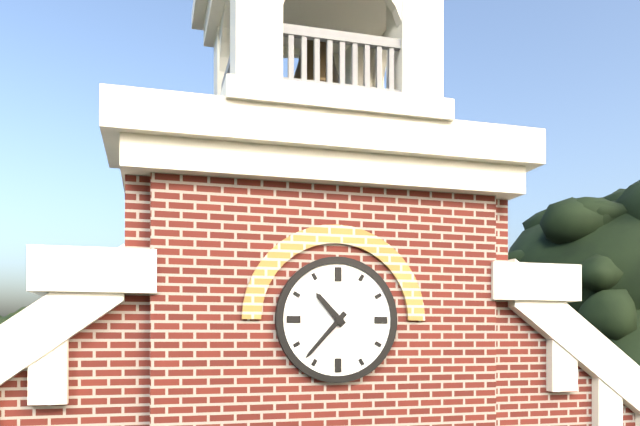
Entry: h=10 m=37
